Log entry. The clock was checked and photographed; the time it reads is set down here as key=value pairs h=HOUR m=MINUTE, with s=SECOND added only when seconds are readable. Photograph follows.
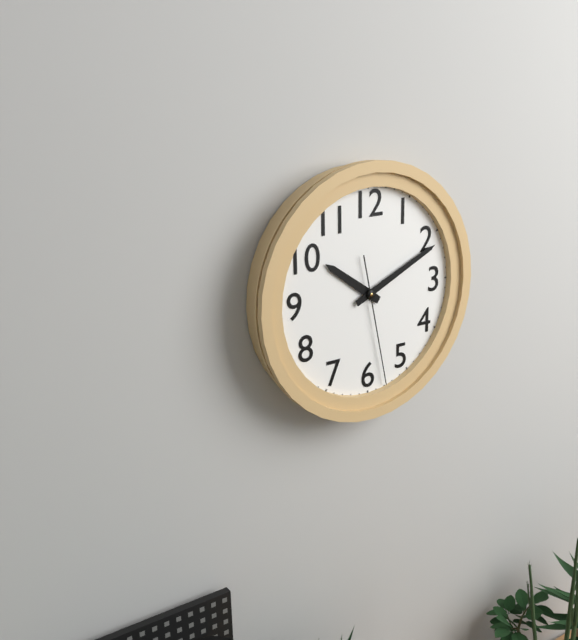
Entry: h=10 m=11 s=28
